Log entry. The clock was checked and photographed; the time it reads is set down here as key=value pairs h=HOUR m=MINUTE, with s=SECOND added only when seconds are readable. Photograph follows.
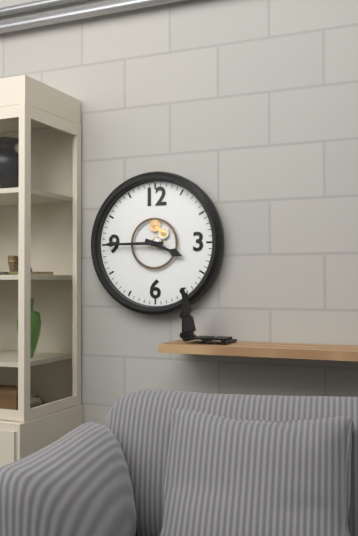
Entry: h=3 m=45
